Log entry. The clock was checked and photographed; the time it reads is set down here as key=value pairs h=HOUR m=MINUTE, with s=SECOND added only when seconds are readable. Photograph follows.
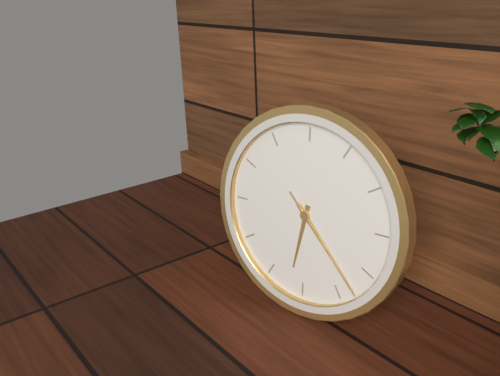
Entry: h=6 m=23 s=23
